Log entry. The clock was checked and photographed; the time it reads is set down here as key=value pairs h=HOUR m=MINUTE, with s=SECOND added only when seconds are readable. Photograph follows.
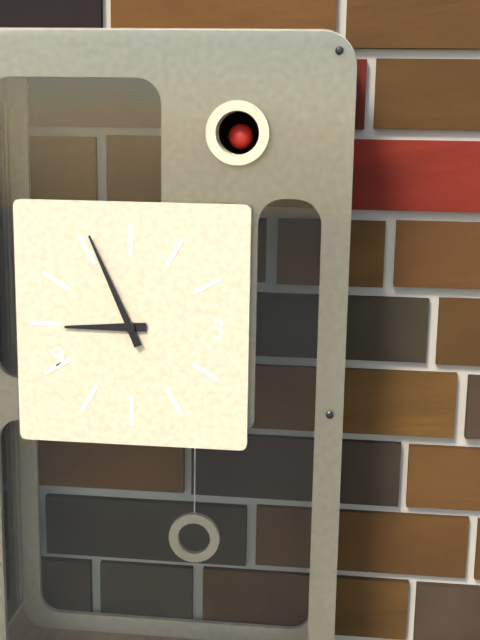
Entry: h=8 m=56
